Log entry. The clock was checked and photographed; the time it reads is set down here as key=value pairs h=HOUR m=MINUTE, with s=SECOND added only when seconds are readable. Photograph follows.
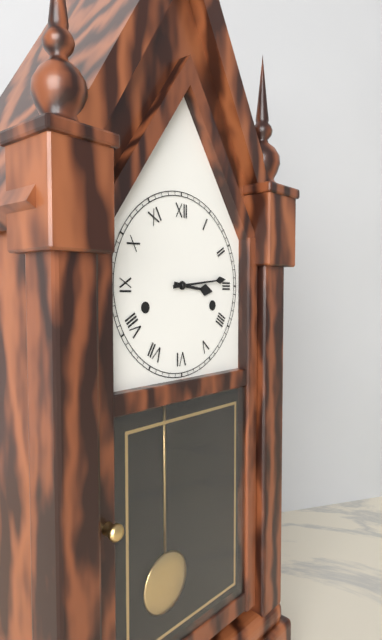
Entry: h=3 m=14
